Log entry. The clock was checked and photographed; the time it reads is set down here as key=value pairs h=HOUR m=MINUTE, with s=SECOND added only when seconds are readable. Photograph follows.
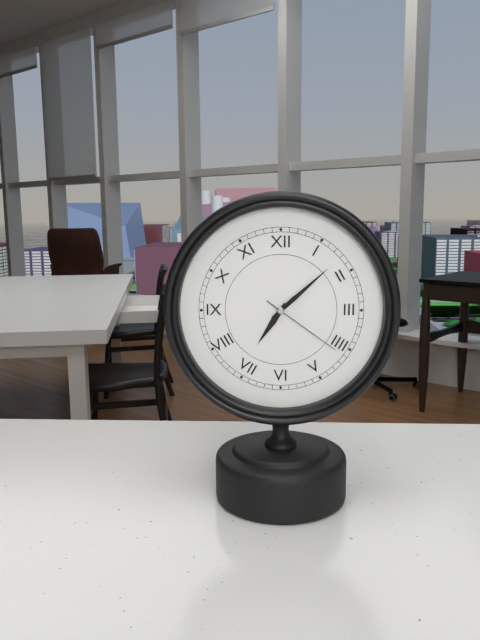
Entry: h=7 m=8 s=21
